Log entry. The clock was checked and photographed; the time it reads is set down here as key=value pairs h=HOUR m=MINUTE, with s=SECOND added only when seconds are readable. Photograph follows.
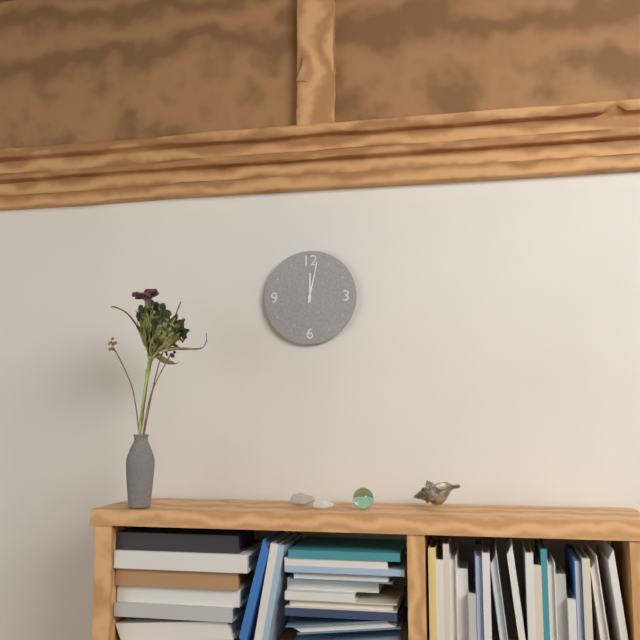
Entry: h=12 m=2
